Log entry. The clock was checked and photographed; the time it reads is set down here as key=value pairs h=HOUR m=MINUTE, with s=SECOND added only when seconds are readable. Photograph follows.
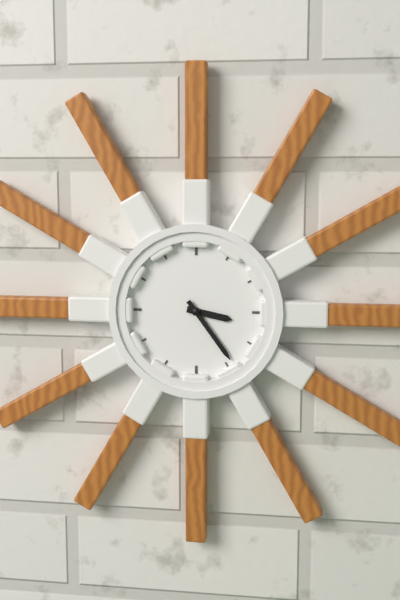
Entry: h=3 m=24
